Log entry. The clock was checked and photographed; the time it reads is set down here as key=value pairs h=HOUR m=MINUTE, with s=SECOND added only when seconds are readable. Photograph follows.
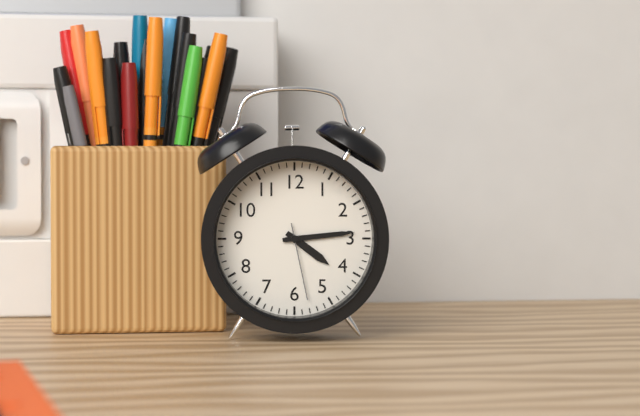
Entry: h=4 m=14 s=28
